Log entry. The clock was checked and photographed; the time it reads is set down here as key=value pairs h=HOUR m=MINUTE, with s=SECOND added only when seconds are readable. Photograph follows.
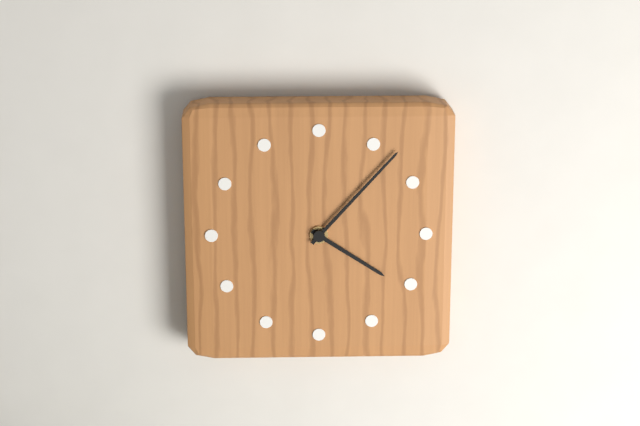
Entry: h=4 m=7
